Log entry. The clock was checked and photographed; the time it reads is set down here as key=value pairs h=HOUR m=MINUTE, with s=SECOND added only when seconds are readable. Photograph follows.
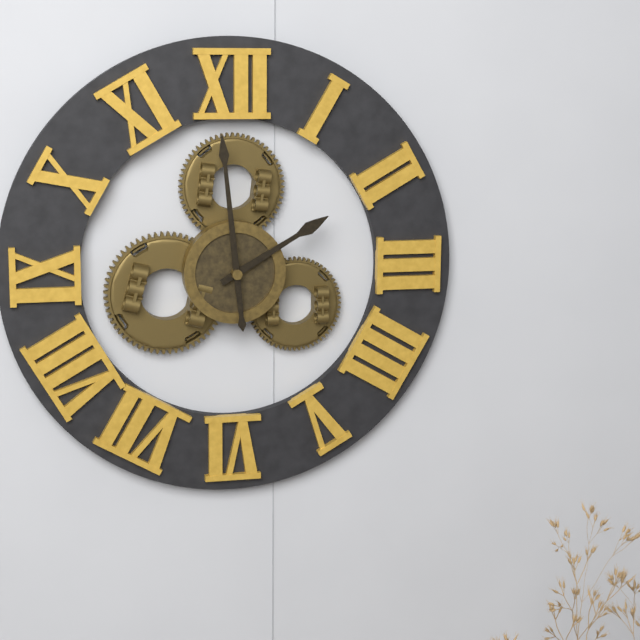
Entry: h=1 m=59
